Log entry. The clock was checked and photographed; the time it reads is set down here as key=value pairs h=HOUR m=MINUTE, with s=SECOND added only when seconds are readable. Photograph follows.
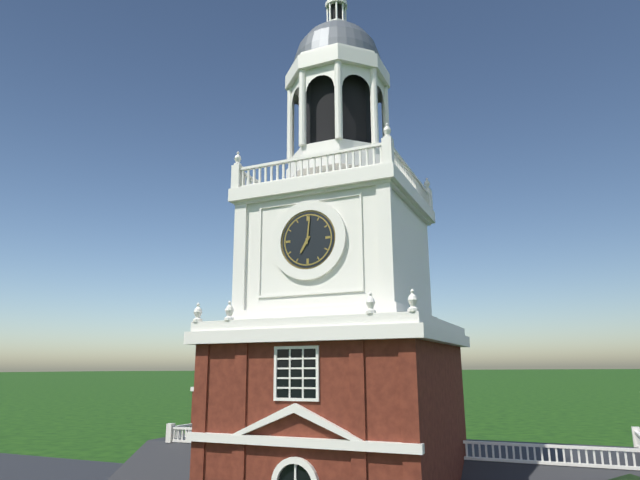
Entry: h=7 m=1
